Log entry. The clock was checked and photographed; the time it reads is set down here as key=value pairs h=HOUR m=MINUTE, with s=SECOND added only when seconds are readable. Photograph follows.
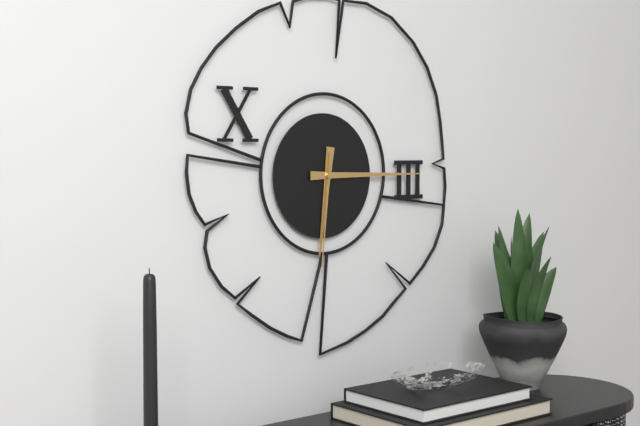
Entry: h=6 m=15 s=31
